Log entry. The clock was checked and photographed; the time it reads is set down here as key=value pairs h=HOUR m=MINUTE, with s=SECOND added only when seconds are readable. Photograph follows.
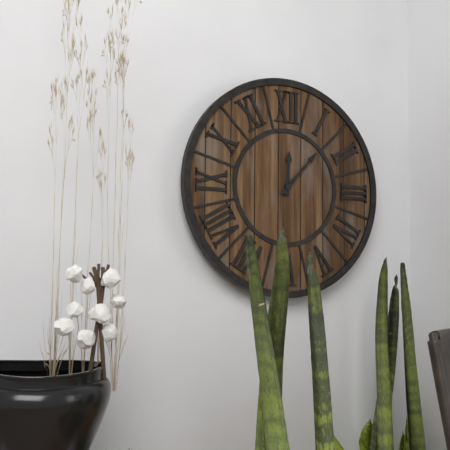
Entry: h=12 m=7
